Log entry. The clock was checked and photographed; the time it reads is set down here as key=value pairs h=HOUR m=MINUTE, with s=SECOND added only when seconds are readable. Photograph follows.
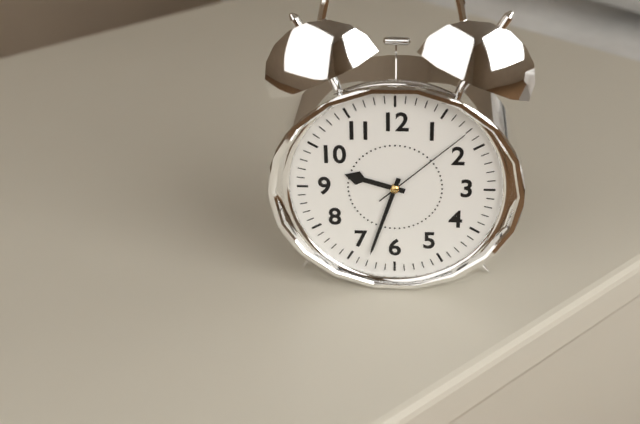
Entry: h=9 m=33 s=8
